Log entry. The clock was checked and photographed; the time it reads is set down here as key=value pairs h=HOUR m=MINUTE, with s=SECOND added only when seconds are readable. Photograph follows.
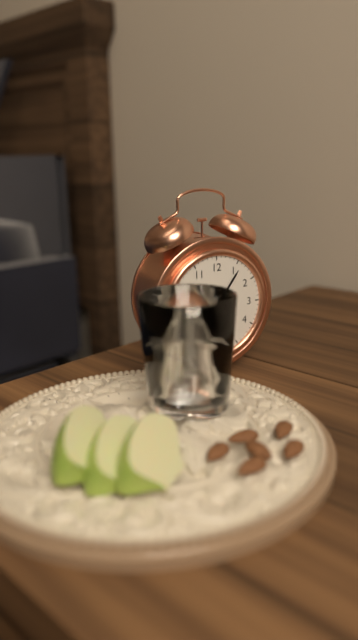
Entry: h=6 m=6 s=39
